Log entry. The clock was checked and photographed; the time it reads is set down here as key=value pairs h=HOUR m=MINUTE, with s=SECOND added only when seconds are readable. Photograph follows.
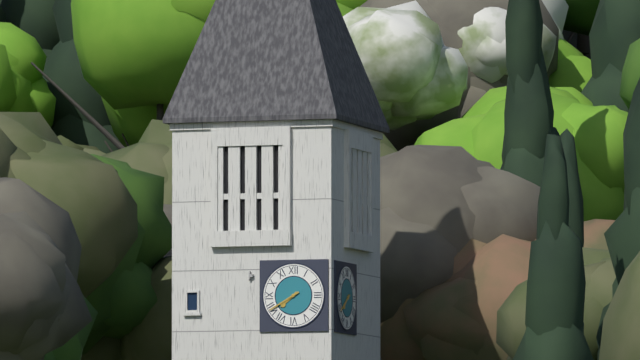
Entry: h=7 m=40
